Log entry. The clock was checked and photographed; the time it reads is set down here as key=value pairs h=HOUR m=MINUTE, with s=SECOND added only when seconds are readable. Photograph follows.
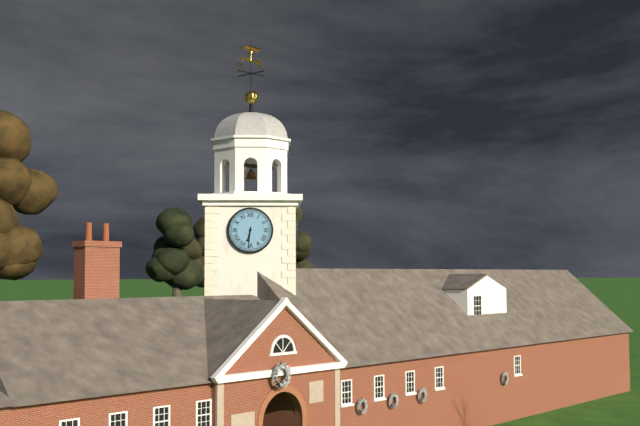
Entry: h=6 m=31
